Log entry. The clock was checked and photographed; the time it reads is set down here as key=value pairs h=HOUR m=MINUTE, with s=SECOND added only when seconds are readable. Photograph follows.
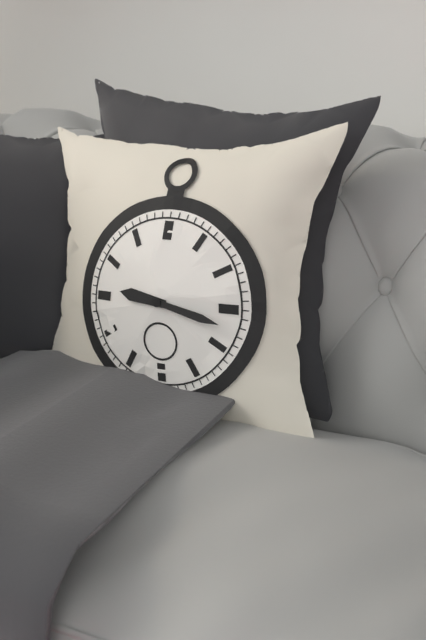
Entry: h=9 m=17
